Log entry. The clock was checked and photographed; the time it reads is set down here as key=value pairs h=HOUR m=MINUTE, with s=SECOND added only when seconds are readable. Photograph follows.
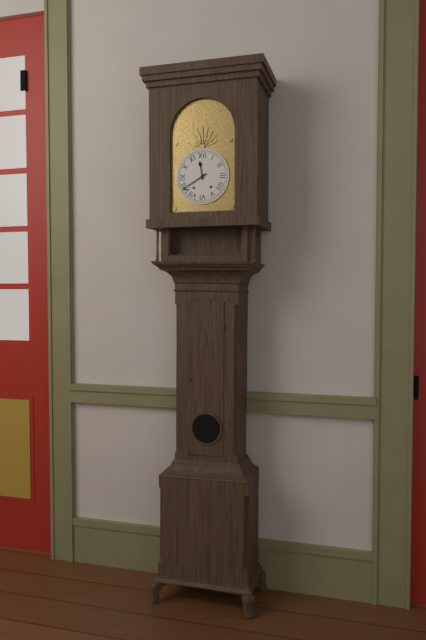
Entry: h=11 m=40
